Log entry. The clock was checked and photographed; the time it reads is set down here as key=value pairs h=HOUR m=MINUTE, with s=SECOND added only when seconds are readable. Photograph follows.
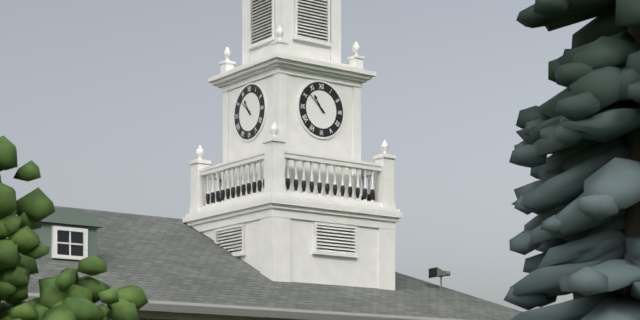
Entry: h=10 m=52
